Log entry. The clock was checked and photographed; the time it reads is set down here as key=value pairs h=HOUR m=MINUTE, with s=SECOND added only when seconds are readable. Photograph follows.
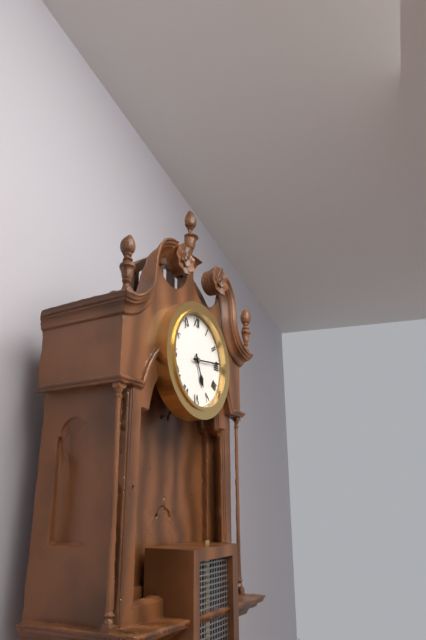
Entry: h=5 m=14
